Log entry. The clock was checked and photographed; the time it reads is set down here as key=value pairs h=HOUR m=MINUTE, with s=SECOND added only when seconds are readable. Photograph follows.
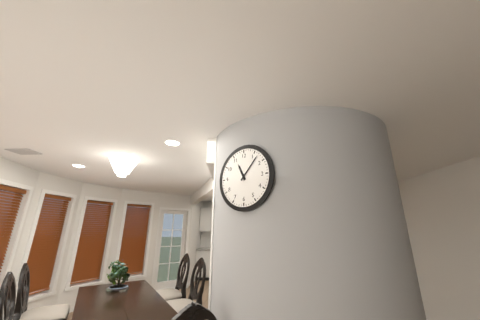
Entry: h=11 m=7
